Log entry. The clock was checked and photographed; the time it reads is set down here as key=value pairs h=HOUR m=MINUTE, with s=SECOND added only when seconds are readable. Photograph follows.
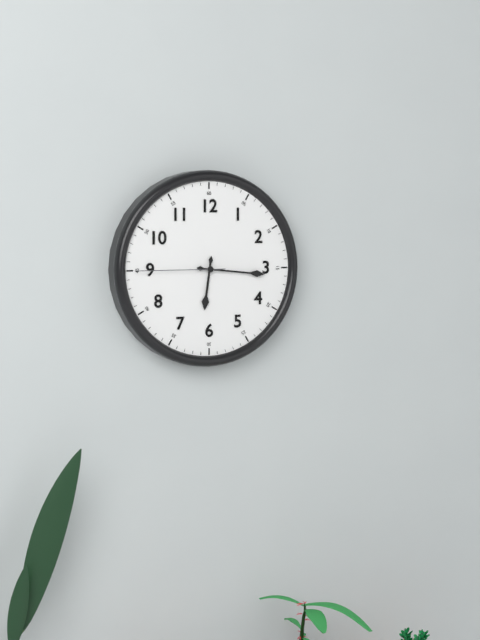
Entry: h=6 m=16 s=45
